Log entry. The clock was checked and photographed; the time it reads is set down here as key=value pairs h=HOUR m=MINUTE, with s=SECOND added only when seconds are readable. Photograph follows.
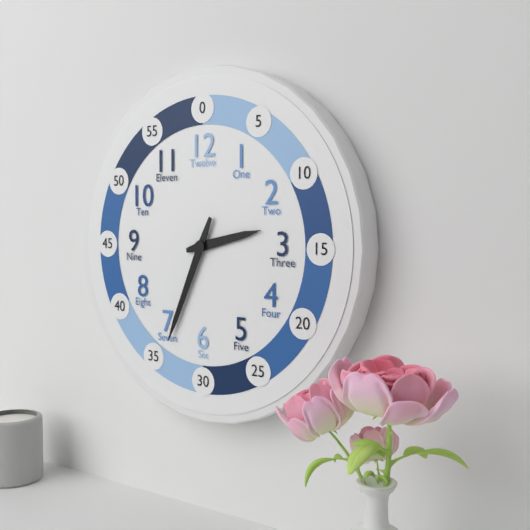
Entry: h=2 m=34
